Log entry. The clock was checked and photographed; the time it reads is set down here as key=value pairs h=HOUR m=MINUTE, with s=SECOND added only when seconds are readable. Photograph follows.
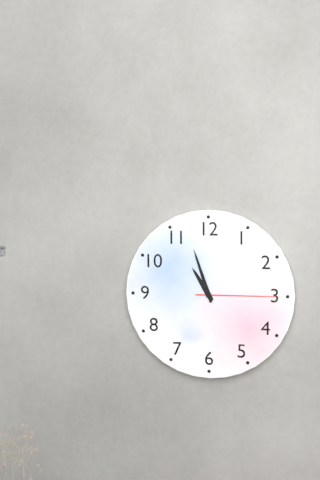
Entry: h=10 m=57 s=15
